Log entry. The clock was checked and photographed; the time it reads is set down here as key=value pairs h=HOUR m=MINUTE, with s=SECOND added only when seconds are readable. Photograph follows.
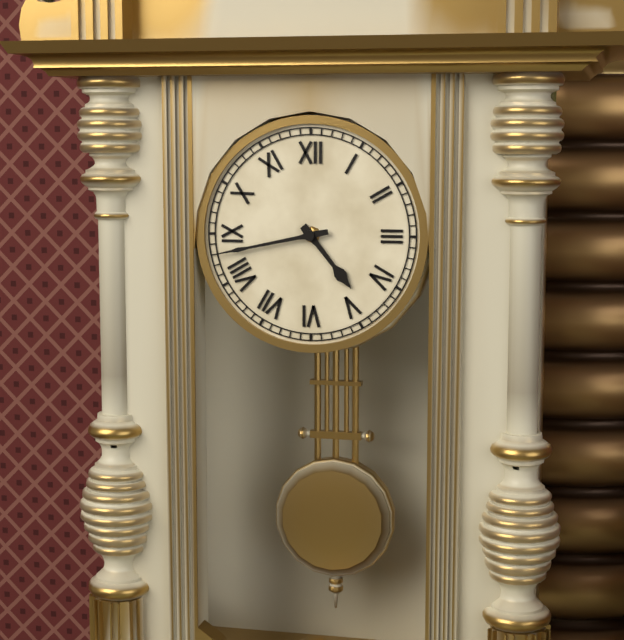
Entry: h=4 m=43
